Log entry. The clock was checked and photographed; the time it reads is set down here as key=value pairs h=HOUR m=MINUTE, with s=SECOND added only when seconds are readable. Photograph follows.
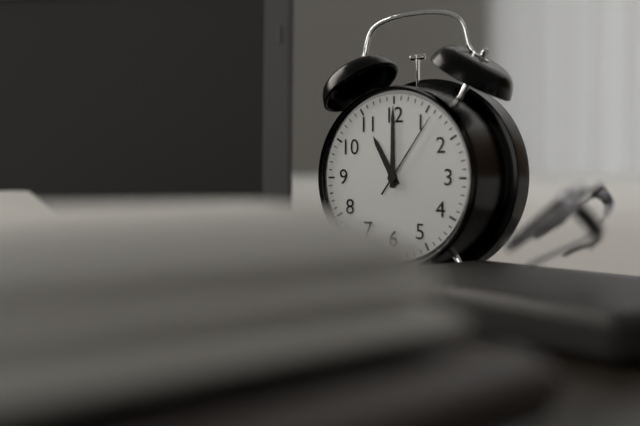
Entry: h=11 m=0 s=6
